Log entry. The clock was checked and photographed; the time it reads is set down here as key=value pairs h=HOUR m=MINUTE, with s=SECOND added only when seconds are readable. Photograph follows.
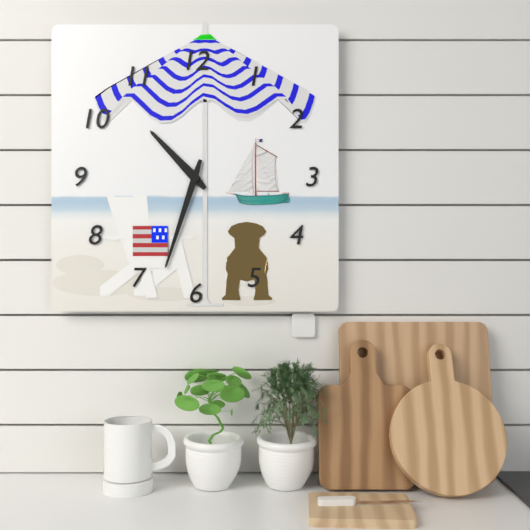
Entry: h=10 m=33
